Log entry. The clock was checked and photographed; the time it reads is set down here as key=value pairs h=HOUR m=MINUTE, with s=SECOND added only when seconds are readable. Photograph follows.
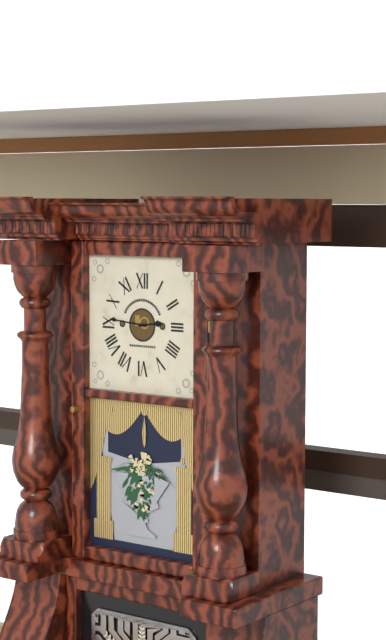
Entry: h=2 m=46
